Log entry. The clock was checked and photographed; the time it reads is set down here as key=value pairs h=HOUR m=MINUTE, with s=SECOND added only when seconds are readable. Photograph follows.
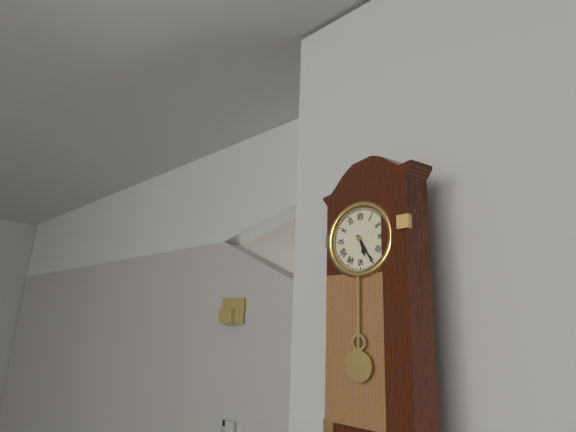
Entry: h=5 m=25
